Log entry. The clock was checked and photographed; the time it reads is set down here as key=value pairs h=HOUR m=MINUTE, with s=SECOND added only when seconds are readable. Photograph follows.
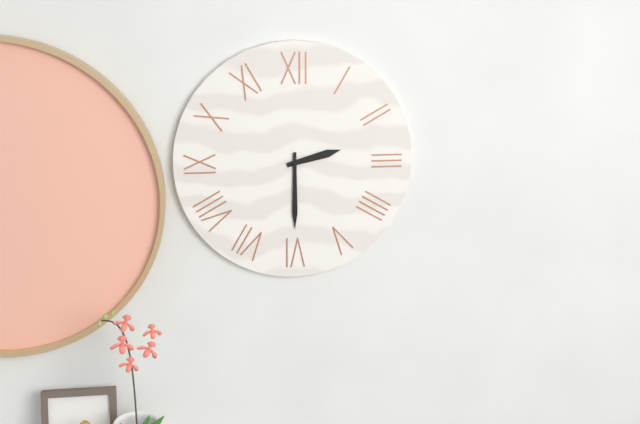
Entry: h=2 m=30
